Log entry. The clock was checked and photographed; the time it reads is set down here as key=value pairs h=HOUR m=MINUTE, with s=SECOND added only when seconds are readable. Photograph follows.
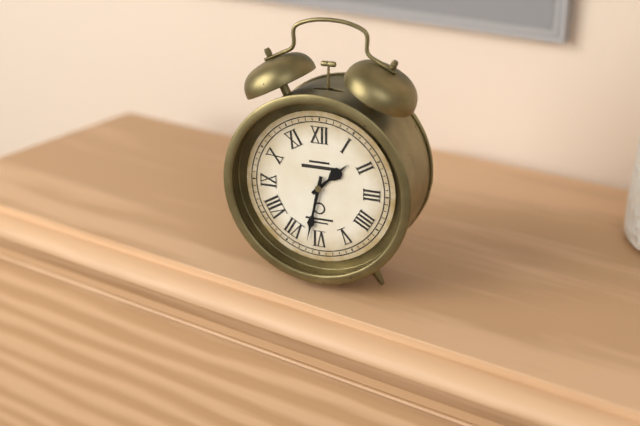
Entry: h=1 m=32
